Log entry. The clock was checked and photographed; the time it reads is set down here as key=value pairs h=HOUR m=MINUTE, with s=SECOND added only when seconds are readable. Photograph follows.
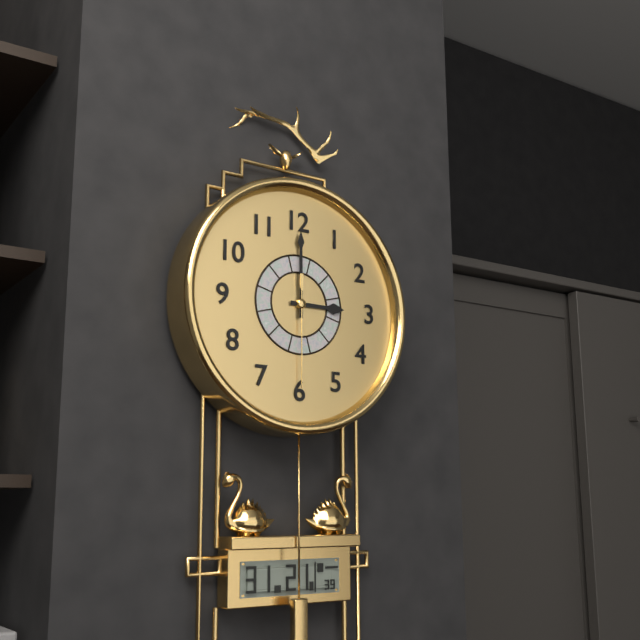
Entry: h=3 m=0 s=30
